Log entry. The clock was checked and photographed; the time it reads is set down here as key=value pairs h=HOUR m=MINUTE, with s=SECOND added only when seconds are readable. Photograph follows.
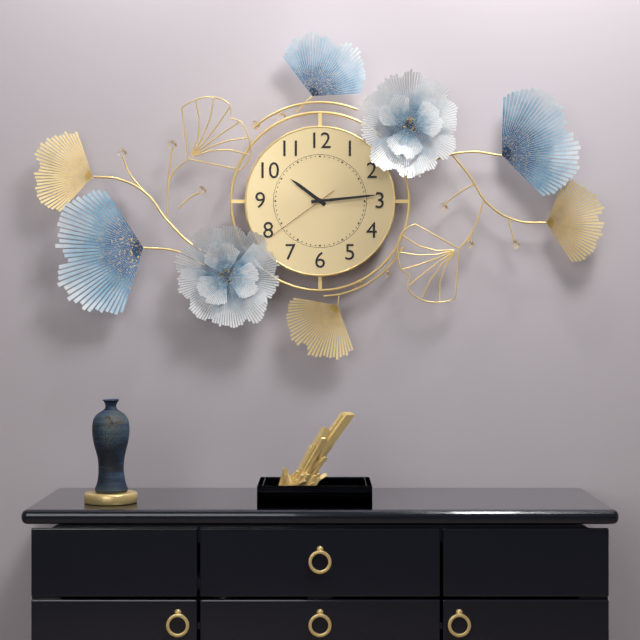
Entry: h=10 m=14 s=39
